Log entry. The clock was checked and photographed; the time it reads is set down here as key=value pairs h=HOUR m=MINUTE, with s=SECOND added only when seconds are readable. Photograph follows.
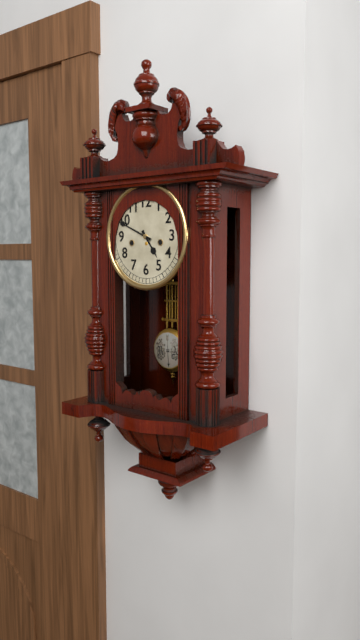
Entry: h=4 m=49
